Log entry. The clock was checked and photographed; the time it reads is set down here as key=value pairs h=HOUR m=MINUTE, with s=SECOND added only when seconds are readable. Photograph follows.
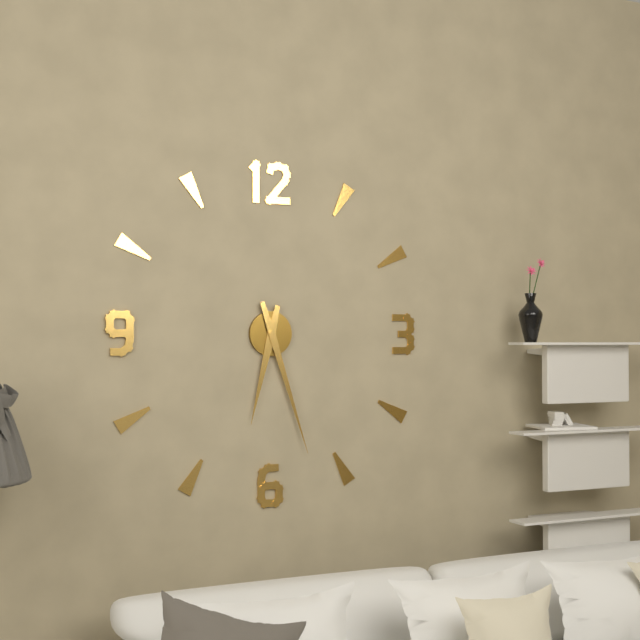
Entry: h=6 m=27
